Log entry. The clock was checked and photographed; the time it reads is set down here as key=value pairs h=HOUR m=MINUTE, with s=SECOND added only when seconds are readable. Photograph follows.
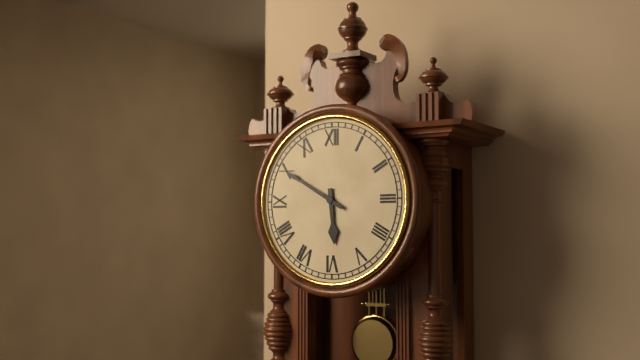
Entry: h=5 m=50
